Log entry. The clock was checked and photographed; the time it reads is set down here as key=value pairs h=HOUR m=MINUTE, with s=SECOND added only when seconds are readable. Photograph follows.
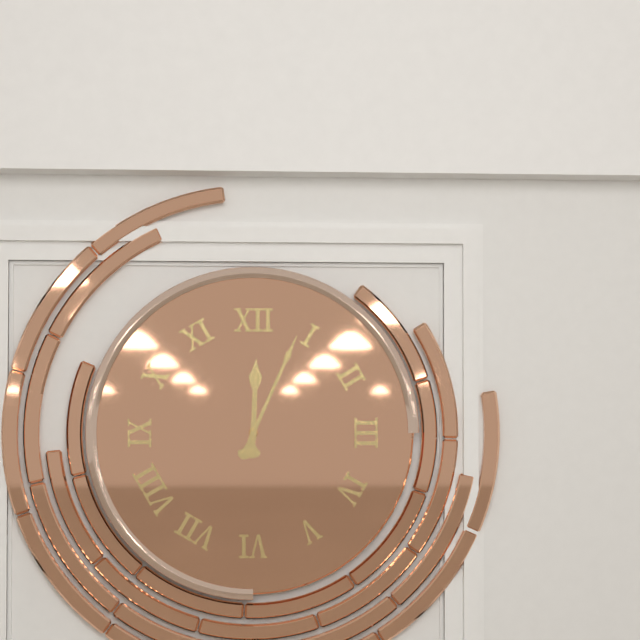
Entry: h=12 m=4
